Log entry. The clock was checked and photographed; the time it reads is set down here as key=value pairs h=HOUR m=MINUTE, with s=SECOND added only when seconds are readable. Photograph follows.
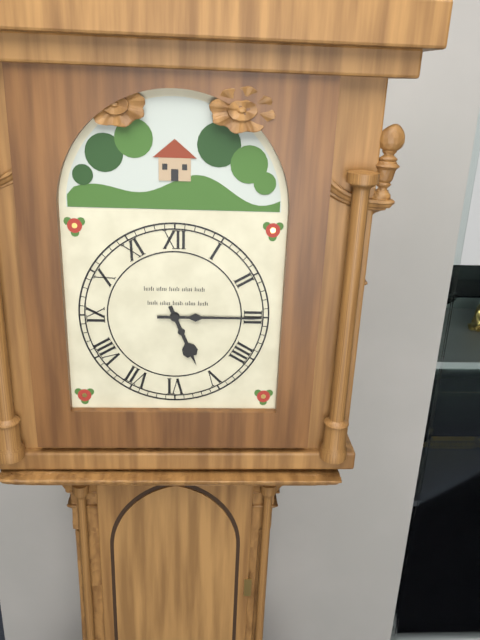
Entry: h=5 m=15
